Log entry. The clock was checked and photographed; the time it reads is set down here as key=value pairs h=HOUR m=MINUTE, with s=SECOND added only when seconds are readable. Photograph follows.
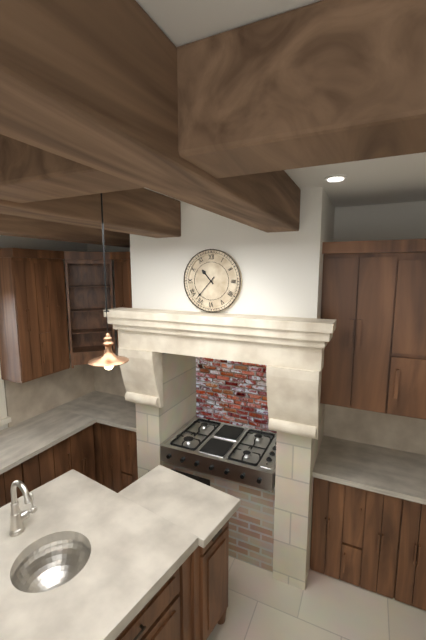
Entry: h=10 m=37
